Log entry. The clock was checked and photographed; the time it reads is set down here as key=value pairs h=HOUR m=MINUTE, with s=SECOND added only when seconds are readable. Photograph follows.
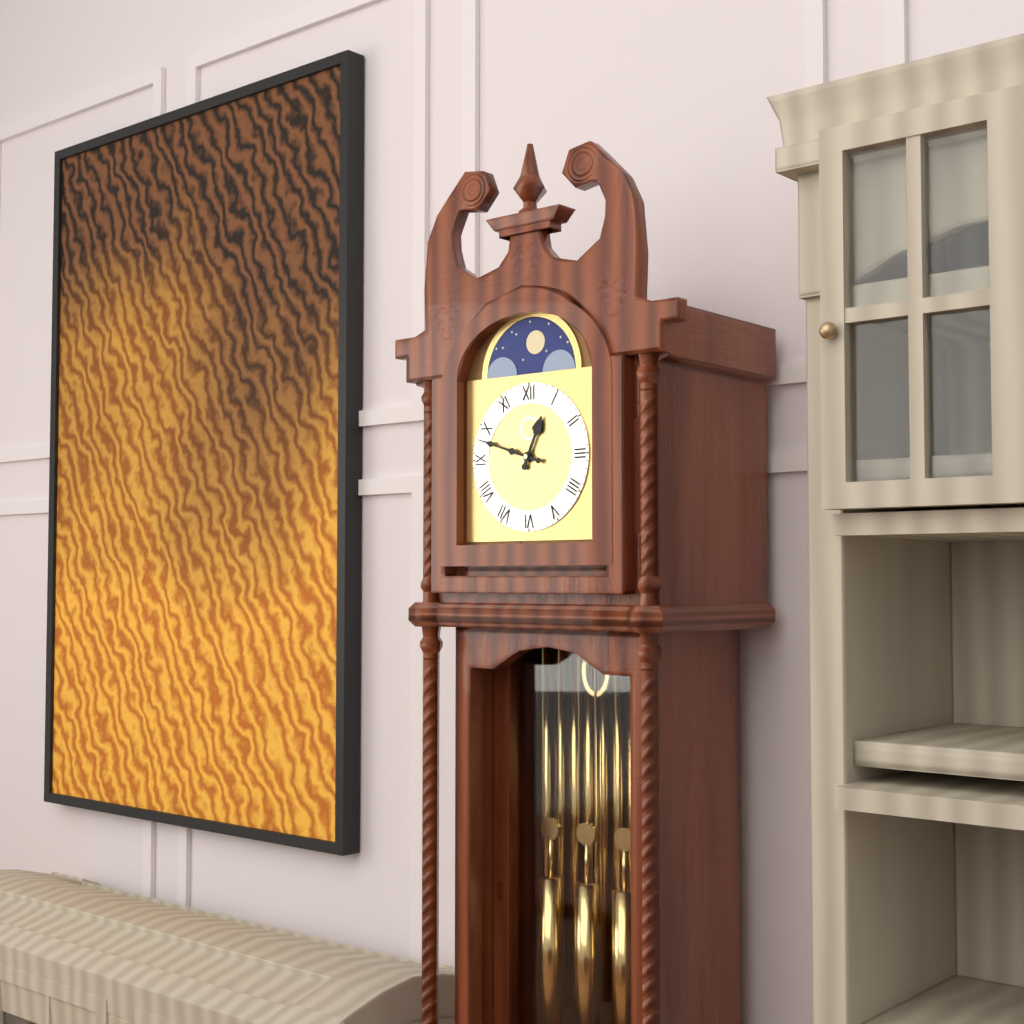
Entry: h=12 m=48
